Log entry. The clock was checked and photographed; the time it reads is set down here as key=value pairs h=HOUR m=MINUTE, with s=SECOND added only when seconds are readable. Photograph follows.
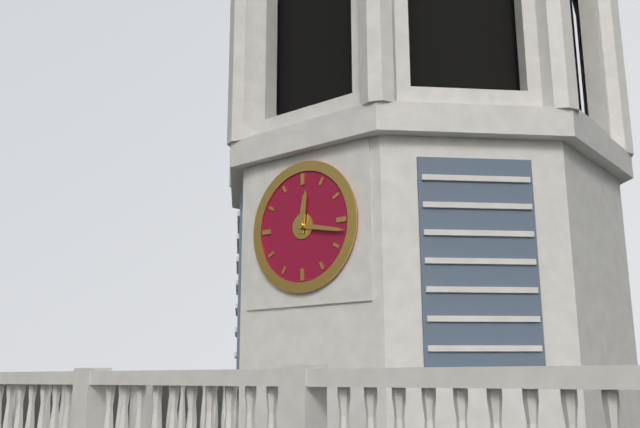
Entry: h=12 m=17
